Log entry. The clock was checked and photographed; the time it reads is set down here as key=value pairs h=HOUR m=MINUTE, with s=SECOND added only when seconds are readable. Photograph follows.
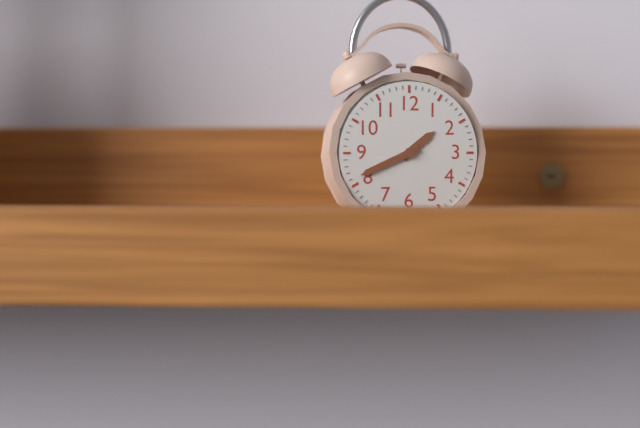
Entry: h=1 m=41
